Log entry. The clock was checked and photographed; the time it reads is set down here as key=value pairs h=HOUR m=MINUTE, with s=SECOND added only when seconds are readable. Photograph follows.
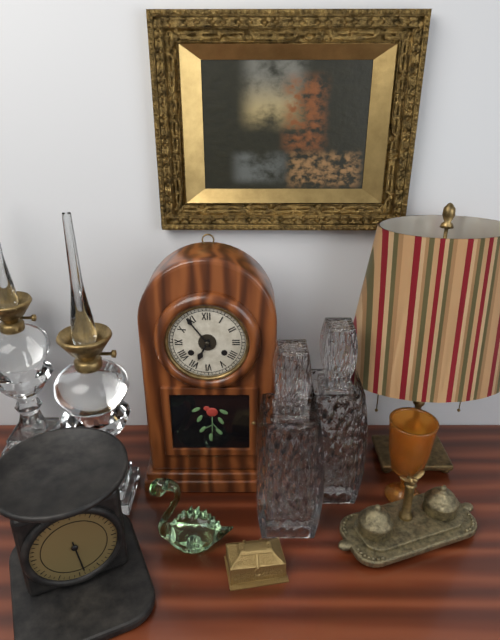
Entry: h=6 m=54
